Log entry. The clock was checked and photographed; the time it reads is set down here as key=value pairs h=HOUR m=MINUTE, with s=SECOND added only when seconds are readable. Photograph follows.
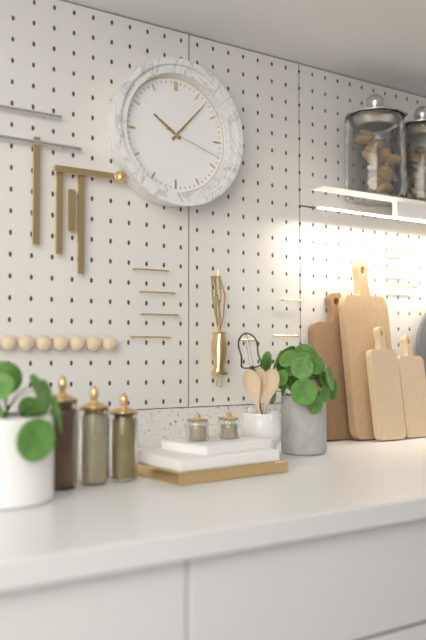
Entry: h=10 m=7 s=18
